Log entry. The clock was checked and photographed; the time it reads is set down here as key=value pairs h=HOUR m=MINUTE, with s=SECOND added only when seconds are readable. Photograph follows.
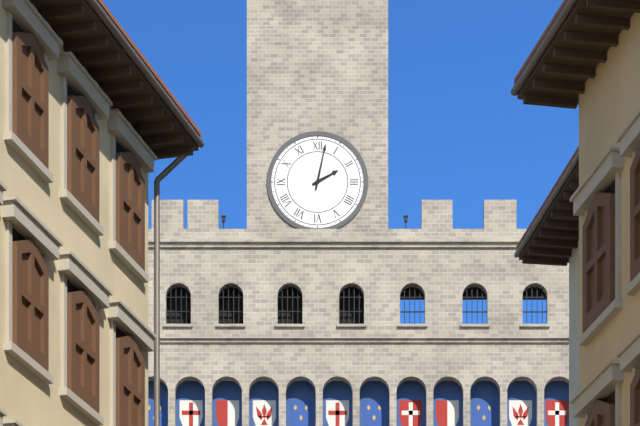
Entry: h=2 m=2
